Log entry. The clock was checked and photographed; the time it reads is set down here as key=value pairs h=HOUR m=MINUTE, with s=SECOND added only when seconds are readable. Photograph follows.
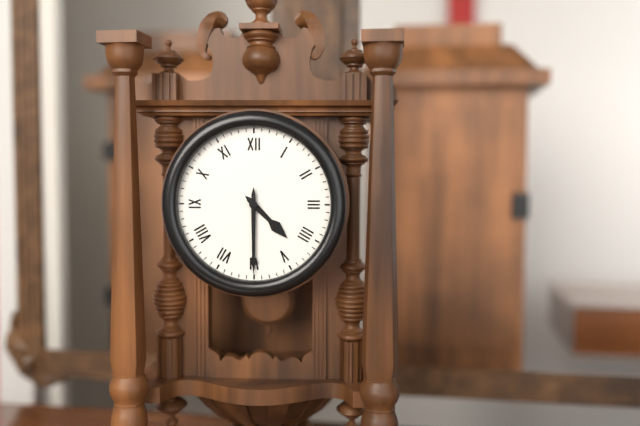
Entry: h=4 m=30
